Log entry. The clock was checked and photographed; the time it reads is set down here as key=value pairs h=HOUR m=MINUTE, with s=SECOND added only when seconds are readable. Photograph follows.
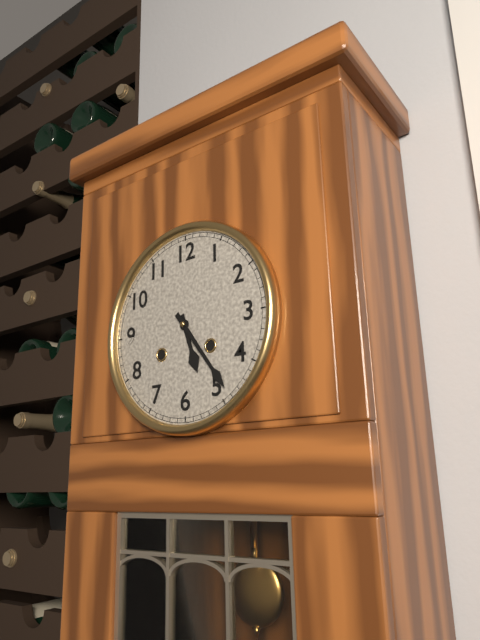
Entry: h=5 m=24
